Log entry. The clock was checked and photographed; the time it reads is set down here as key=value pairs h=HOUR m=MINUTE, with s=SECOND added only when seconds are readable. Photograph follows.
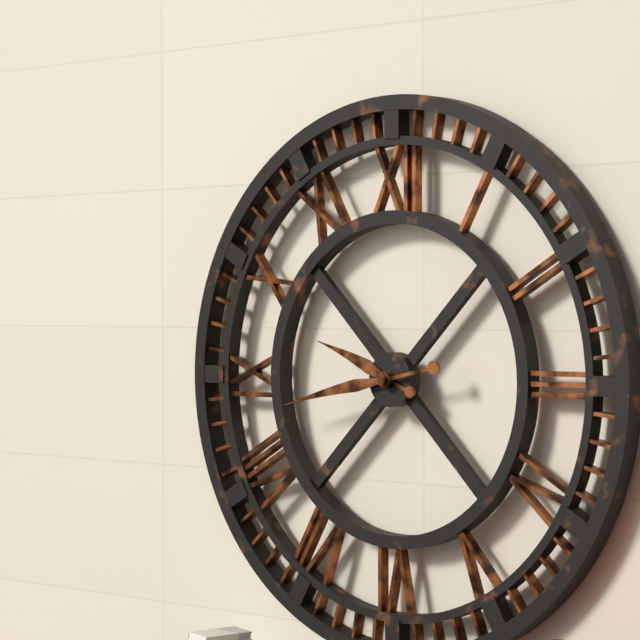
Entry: h=9 m=43
